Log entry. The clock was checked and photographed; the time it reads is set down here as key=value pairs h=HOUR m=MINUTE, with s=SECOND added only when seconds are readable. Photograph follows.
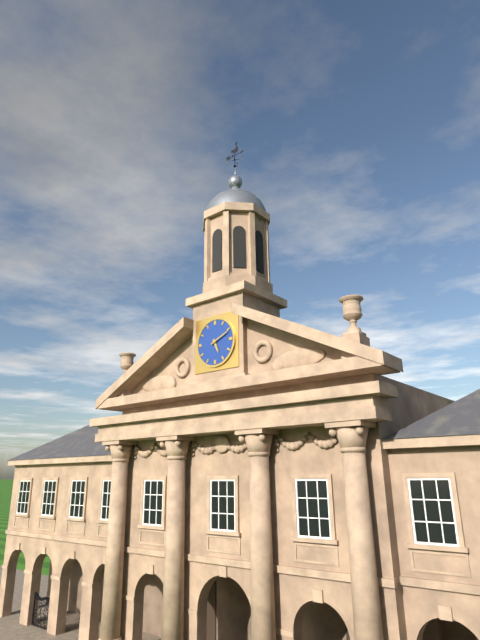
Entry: h=5 m=11
